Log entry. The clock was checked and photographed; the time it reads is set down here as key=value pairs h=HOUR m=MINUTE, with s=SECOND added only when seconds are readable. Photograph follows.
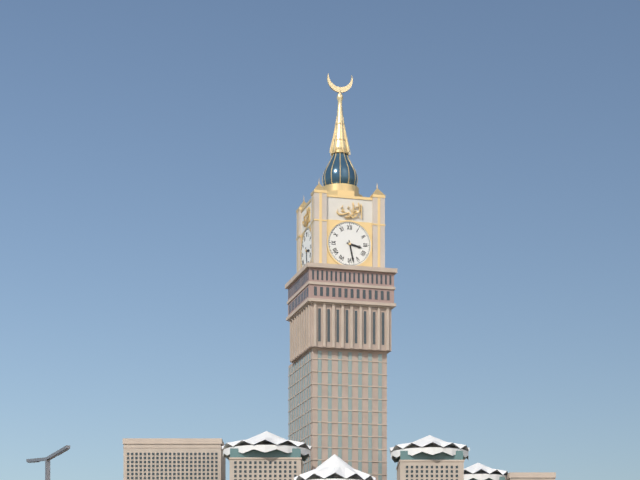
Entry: h=3 m=28
